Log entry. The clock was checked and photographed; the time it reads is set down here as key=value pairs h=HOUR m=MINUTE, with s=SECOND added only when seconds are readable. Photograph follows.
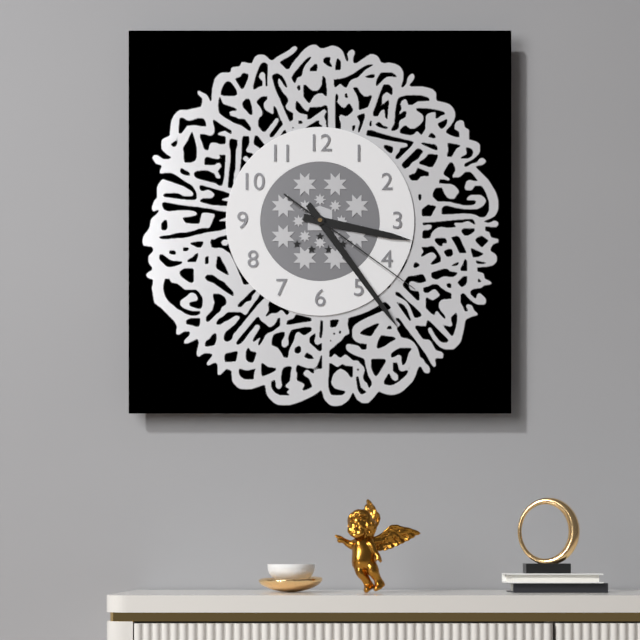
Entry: h=3 m=24 s=21
